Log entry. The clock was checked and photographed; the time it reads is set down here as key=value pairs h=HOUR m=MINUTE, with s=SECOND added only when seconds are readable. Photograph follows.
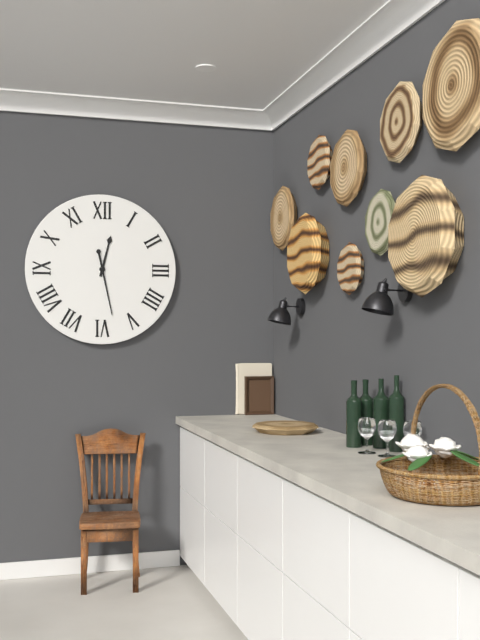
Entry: h=12 m=28
